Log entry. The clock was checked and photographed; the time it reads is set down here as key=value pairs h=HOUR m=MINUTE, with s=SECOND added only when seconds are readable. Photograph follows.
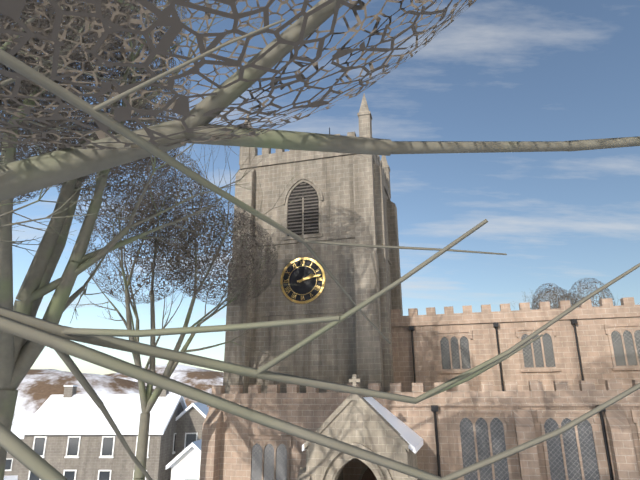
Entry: h=2 m=13
